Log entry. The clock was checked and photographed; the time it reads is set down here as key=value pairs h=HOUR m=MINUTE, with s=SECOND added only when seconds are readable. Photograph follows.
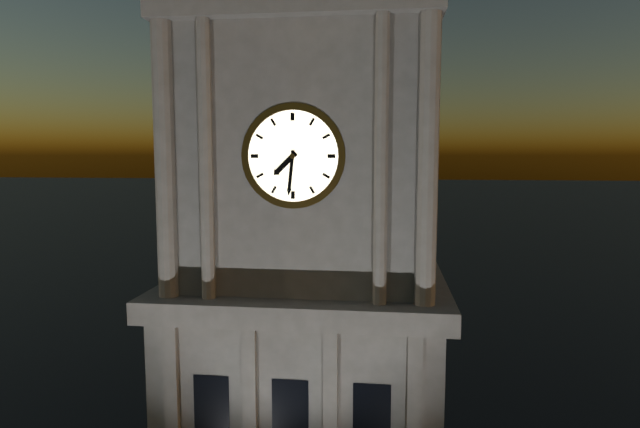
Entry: h=7 m=31
